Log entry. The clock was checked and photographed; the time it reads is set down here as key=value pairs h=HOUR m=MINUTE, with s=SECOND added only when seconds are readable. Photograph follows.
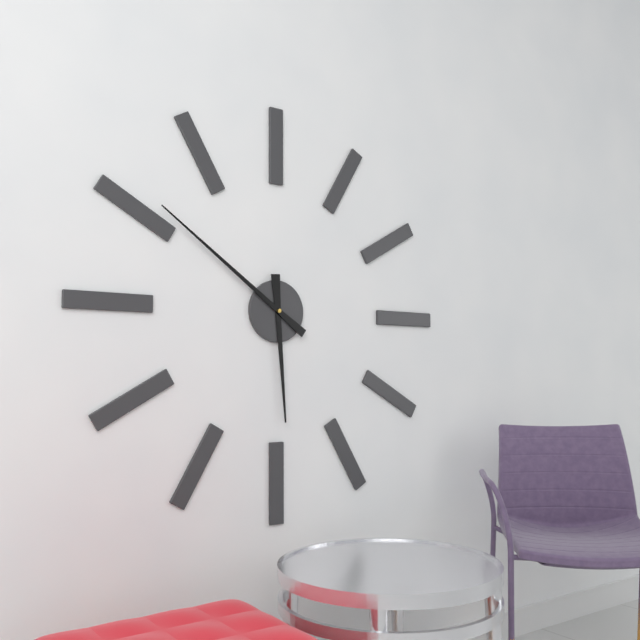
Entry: h=5 m=51
